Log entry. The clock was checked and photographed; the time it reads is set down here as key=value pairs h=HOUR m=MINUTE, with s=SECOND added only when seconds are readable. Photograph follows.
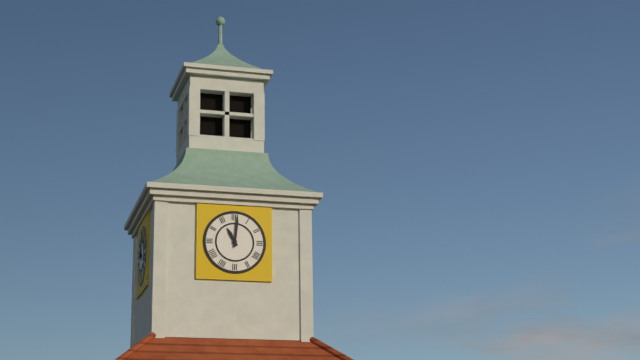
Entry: h=11 m=1
